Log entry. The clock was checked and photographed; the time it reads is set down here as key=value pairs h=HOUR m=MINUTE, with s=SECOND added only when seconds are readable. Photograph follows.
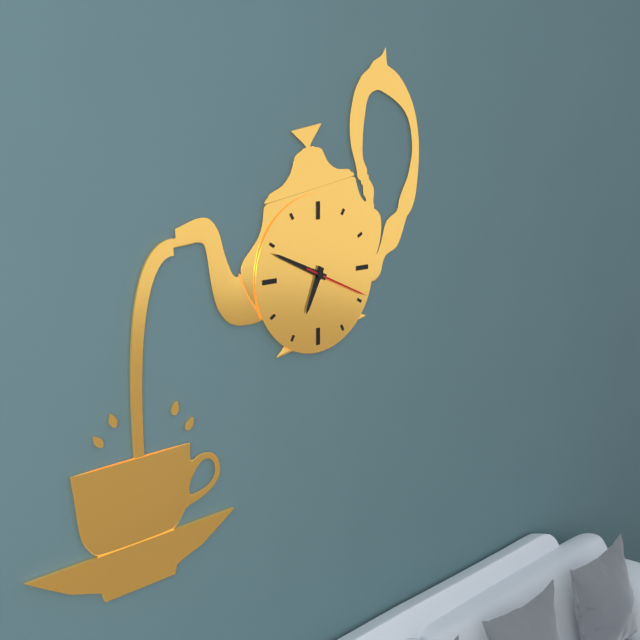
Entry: h=6 m=49 s=19
